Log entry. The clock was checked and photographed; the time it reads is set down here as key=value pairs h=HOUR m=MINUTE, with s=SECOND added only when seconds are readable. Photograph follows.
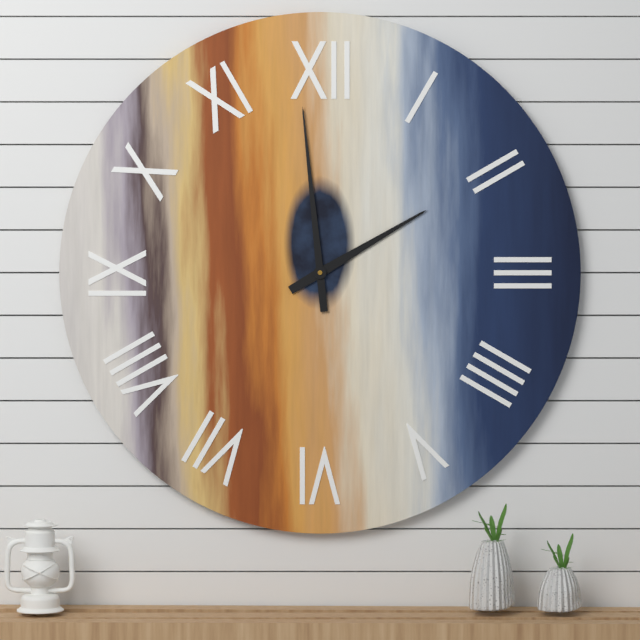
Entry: h=1 m=59
